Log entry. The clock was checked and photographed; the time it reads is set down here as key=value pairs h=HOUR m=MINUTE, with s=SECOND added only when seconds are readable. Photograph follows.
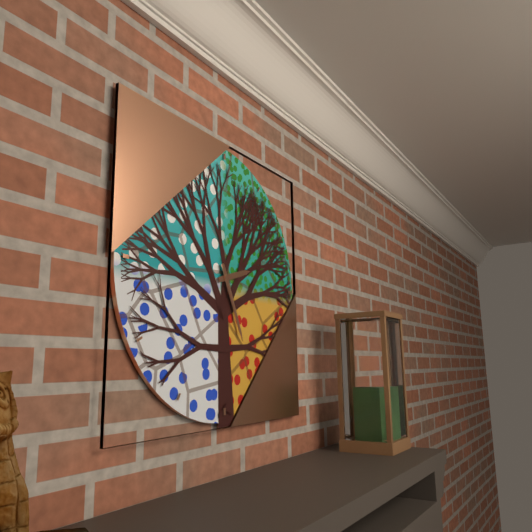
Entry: h=2 m=26
